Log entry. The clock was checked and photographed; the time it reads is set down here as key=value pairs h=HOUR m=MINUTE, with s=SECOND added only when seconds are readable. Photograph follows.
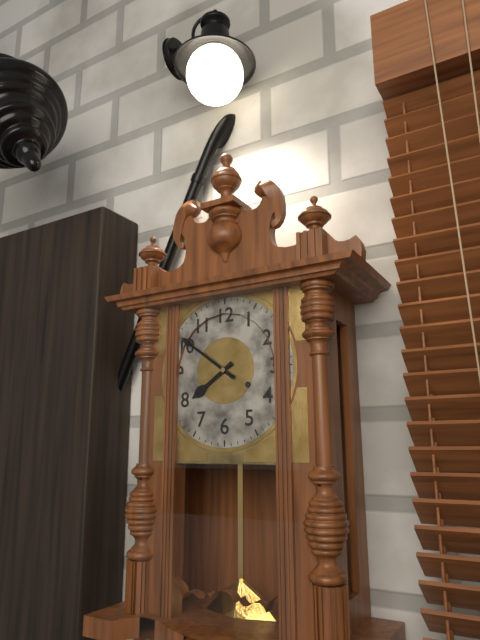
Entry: h=7 m=51
